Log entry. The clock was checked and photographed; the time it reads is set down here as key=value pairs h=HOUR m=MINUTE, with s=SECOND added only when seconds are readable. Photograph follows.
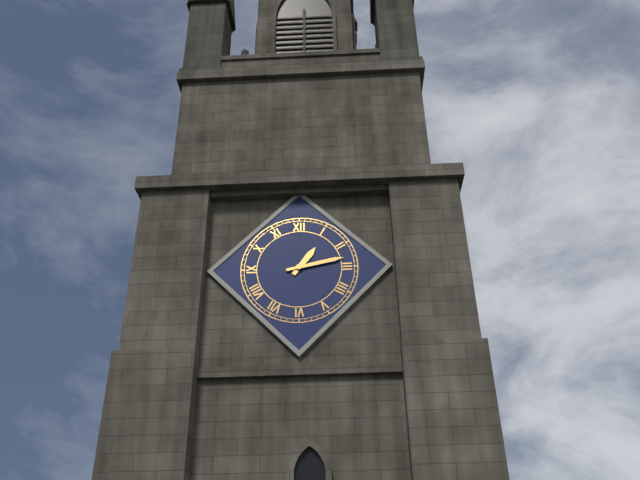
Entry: h=1 m=13
